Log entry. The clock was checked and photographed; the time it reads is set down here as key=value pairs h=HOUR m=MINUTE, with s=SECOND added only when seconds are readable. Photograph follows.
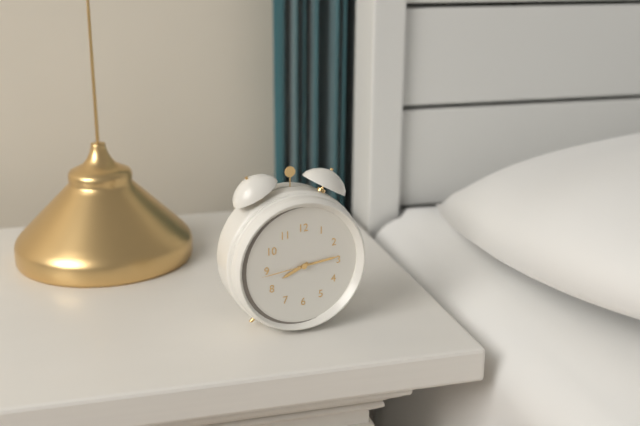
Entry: h=8 m=14 s=44
